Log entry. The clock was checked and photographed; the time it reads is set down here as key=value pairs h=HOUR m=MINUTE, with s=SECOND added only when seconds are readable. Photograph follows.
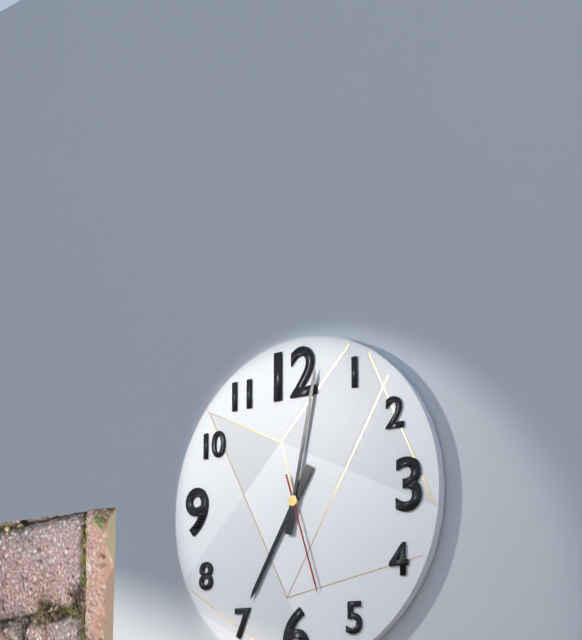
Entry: h=7 m=2 s=27
